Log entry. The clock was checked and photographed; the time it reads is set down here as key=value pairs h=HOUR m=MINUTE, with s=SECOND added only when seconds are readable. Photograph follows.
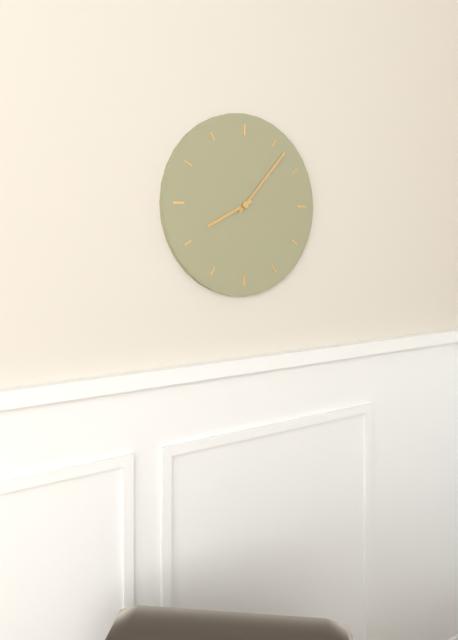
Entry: h=8 m=7
